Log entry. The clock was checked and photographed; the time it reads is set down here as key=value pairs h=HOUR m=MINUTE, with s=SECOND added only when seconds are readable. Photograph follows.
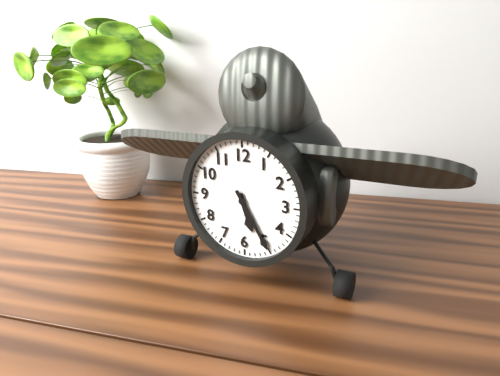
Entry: h=5 m=25
